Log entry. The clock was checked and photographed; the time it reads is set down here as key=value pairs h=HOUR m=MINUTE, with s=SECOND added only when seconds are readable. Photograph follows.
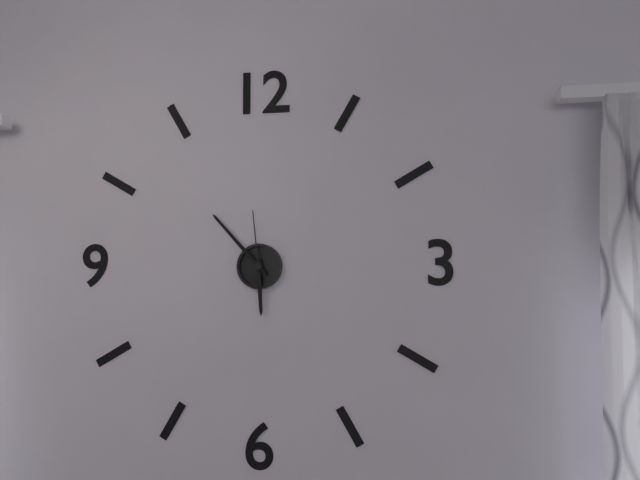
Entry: h=5 m=53 s=59
